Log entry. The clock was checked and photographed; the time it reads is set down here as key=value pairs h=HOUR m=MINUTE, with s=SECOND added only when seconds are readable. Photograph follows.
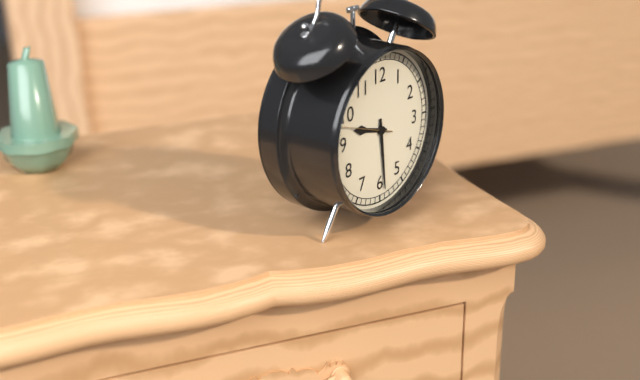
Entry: h=9 m=29 s=48
